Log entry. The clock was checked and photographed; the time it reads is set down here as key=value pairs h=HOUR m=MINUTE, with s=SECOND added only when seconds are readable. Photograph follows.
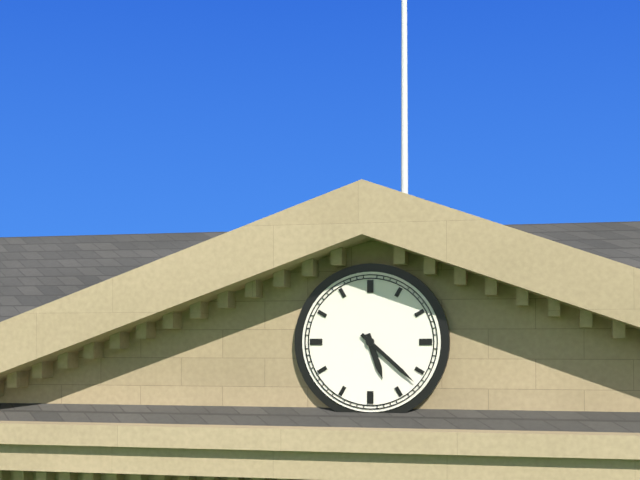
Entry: h=5 m=22
